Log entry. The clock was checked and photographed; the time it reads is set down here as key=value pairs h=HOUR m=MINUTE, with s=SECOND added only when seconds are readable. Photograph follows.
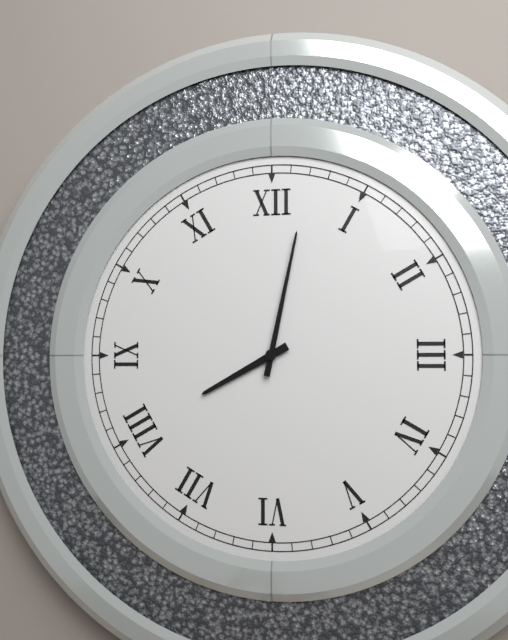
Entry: h=8 m=2
